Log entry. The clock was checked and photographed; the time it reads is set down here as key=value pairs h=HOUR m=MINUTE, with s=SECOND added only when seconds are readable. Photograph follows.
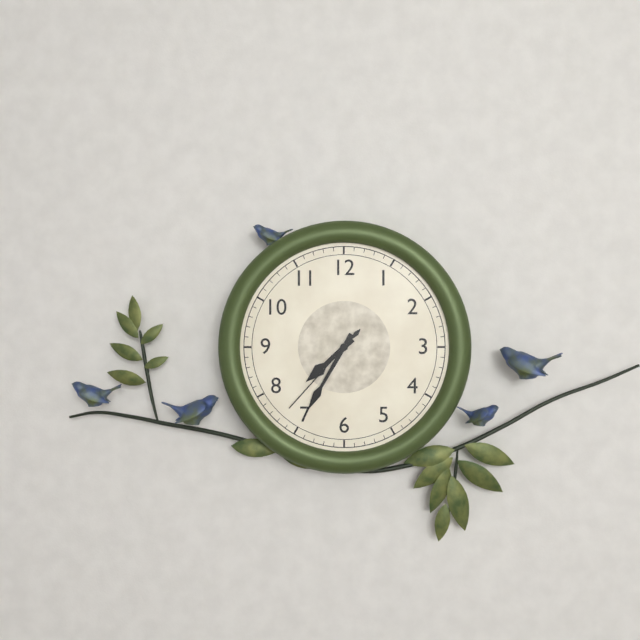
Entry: h=7 m=35 s=37
